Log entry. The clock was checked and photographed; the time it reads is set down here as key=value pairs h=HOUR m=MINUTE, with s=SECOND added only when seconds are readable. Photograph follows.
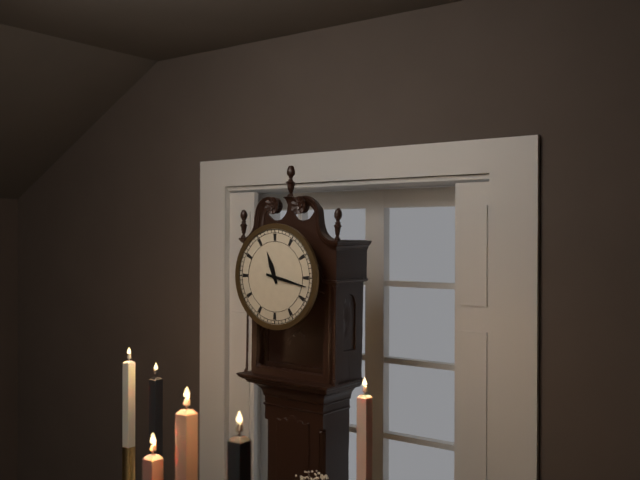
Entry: h=11 m=17
